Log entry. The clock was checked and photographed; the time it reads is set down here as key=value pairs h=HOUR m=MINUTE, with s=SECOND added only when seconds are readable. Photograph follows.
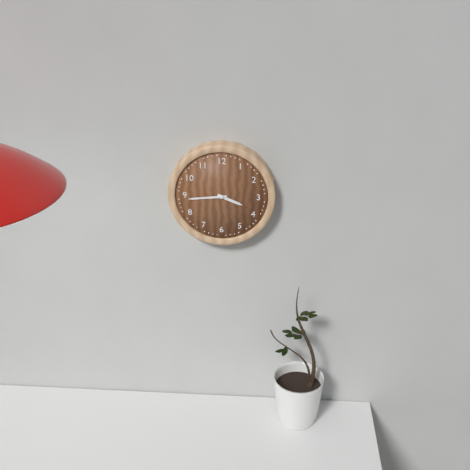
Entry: h=3 m=44
